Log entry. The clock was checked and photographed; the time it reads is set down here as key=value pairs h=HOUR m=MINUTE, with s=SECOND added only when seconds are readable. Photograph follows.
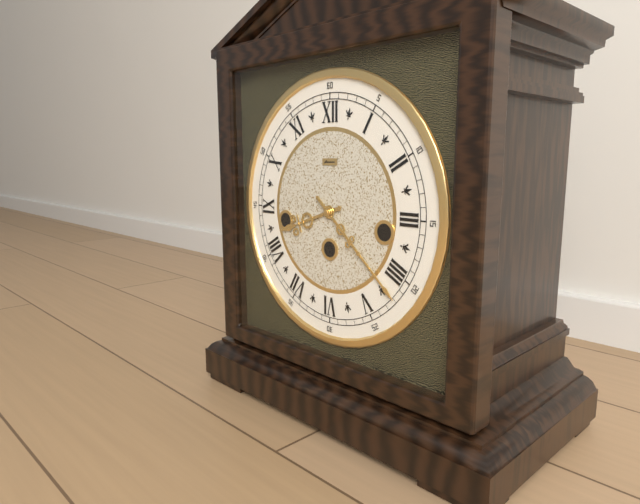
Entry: h=8 m=22
